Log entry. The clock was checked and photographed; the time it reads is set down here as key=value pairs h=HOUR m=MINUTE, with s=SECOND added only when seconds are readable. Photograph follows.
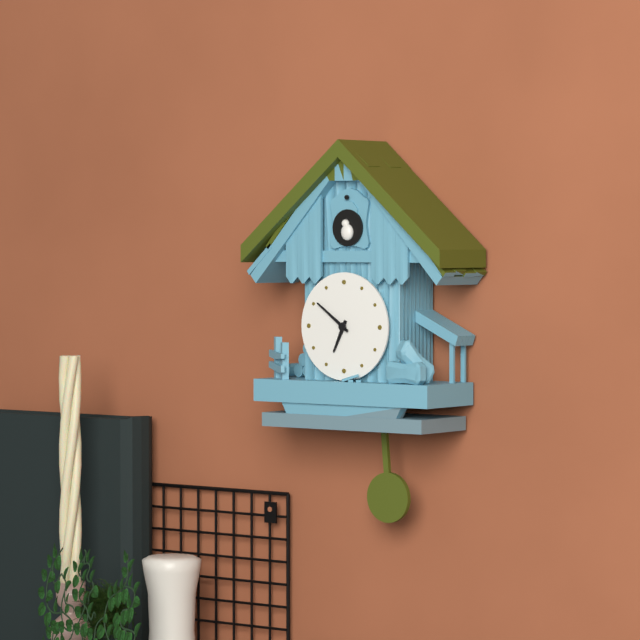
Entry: h=6 m=51
